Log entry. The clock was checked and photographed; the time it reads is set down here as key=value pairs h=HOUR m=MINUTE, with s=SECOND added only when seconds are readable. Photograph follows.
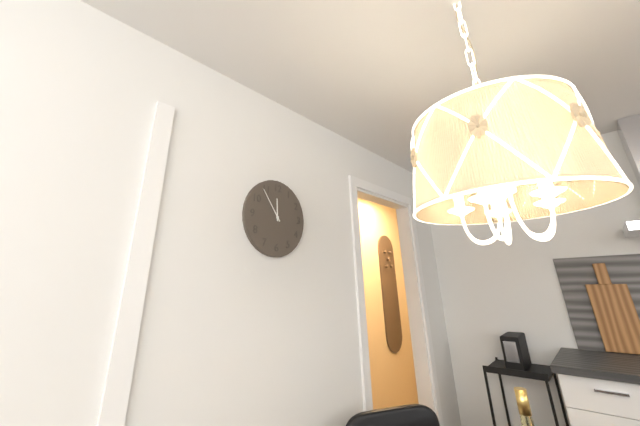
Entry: h=11 m=54
